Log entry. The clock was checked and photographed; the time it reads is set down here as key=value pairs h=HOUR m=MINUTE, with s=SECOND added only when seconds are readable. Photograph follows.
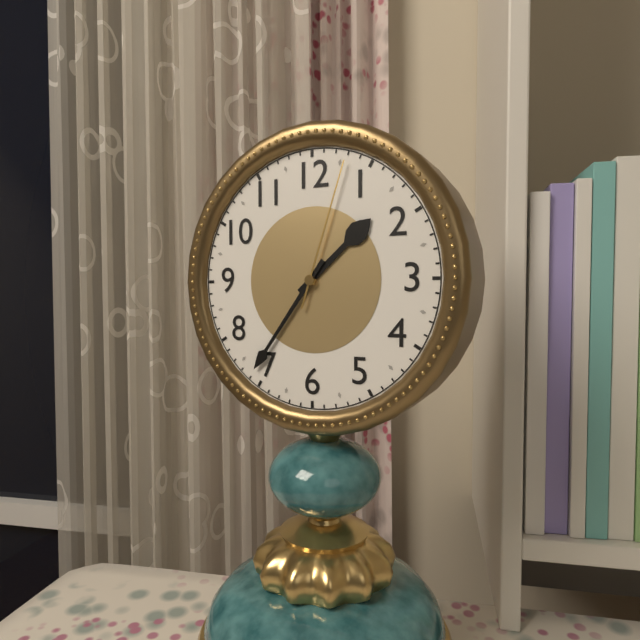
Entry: h=1 m=36 s=3
